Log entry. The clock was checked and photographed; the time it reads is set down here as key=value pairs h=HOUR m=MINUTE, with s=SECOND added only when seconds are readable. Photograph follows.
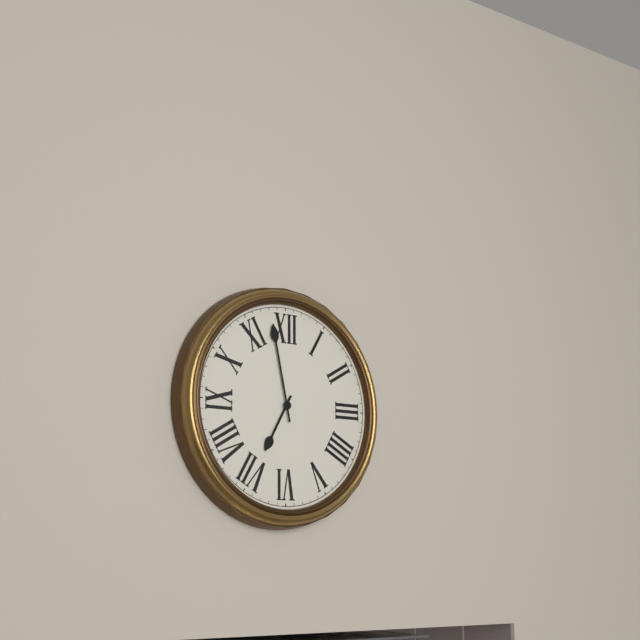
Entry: h=6 m=58
